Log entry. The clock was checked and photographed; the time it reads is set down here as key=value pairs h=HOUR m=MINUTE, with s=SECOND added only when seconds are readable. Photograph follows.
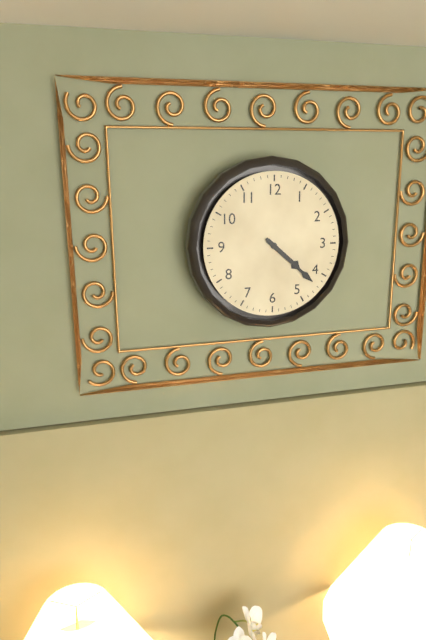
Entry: h=4 m=22
